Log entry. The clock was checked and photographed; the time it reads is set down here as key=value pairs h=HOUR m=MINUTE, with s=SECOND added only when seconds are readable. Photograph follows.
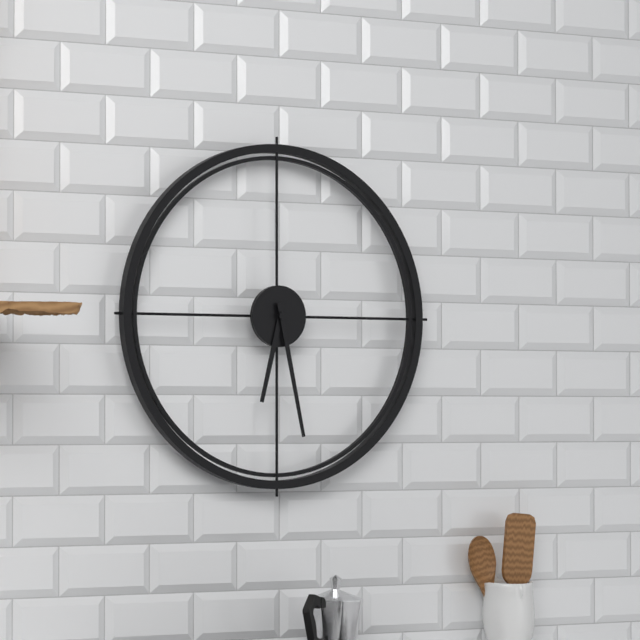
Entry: h=6 m=28
